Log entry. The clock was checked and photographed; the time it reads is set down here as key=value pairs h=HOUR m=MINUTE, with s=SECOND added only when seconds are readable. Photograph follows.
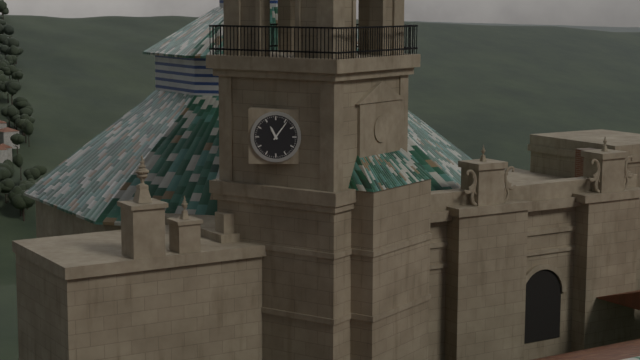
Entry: h=11 m=6
